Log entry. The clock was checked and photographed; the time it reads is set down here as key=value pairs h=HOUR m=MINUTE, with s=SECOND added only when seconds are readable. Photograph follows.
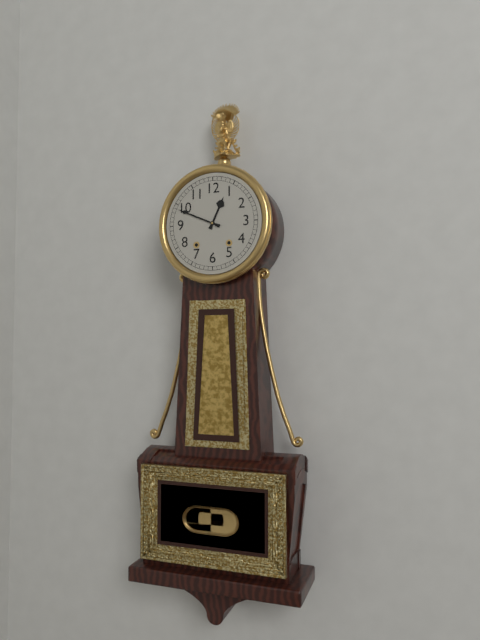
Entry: h=12 m=49
